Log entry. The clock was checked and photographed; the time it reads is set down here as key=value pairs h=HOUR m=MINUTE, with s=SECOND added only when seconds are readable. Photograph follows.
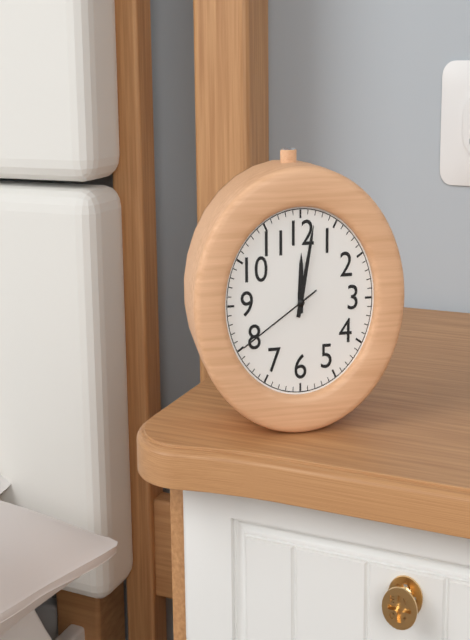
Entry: h=12 m=2 s=40
